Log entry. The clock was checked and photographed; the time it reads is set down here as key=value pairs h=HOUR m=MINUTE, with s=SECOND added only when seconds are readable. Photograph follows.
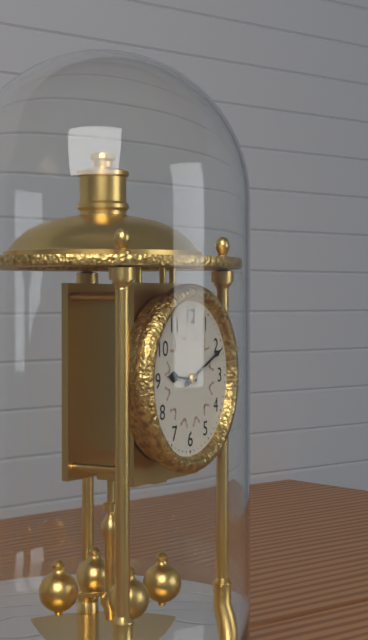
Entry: h=9 m=11
